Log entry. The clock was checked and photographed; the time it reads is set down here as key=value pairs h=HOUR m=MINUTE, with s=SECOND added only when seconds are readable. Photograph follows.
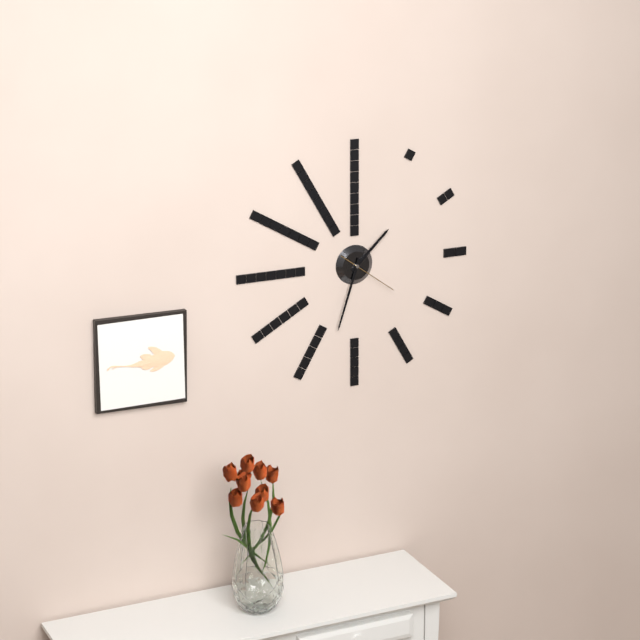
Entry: h=1 m=33 s=21
